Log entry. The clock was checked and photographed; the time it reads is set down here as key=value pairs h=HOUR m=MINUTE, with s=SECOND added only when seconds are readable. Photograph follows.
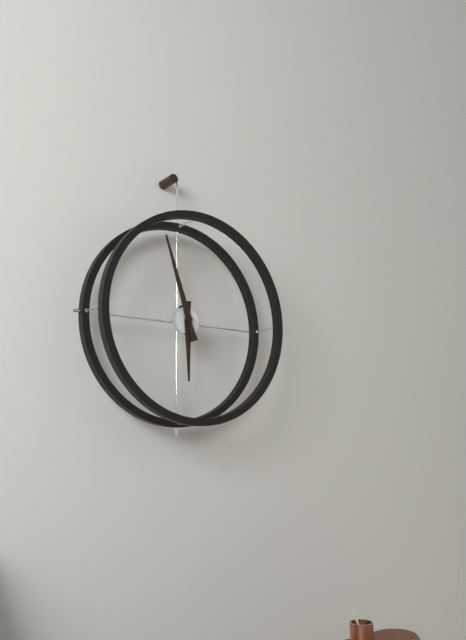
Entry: h=5 m=57
